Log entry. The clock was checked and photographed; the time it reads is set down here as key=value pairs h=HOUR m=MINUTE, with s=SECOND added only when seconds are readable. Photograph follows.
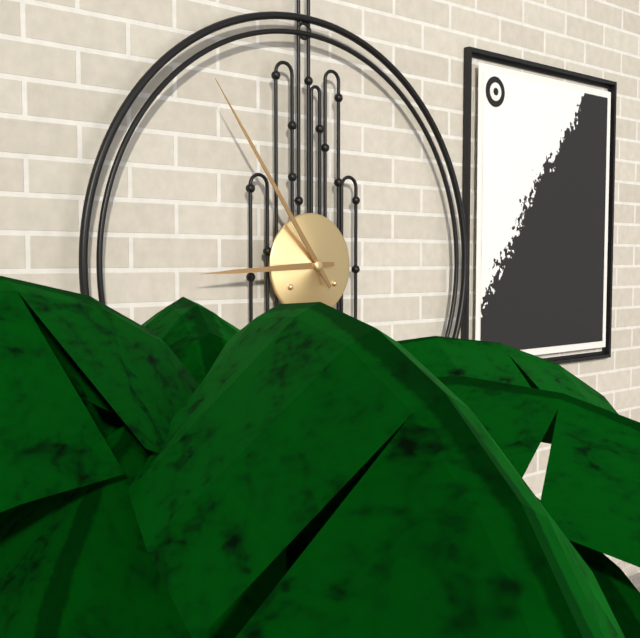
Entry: h=8 m=54
